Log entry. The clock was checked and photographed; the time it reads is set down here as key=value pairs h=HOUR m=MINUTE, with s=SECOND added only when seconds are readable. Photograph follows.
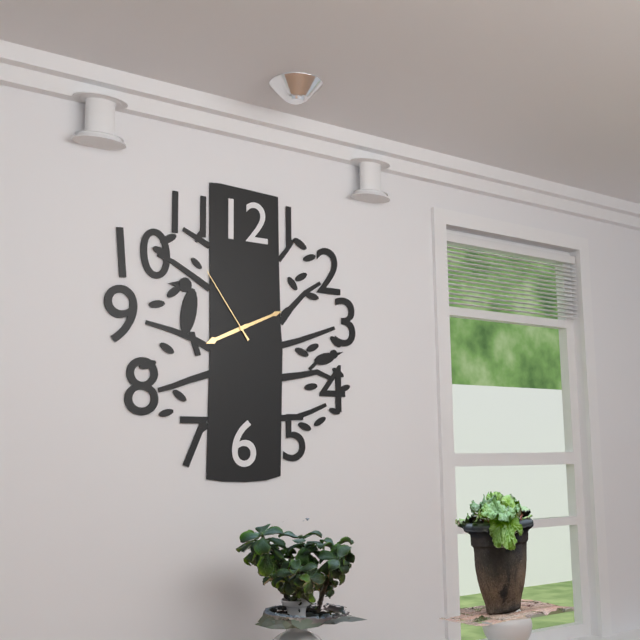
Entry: h=8 m=11 s=54
